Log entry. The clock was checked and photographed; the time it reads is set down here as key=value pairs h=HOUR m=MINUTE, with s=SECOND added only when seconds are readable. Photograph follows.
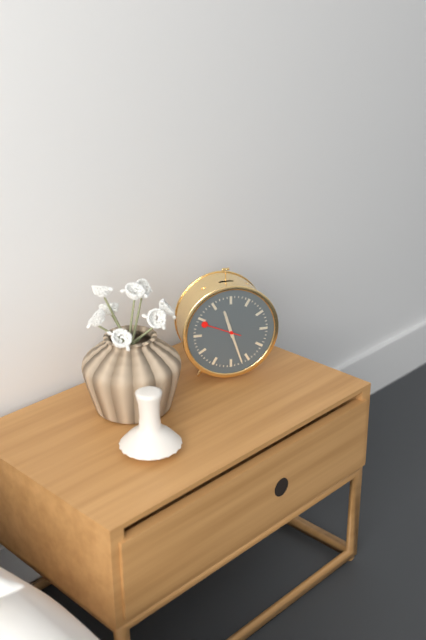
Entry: h=11 m=27
